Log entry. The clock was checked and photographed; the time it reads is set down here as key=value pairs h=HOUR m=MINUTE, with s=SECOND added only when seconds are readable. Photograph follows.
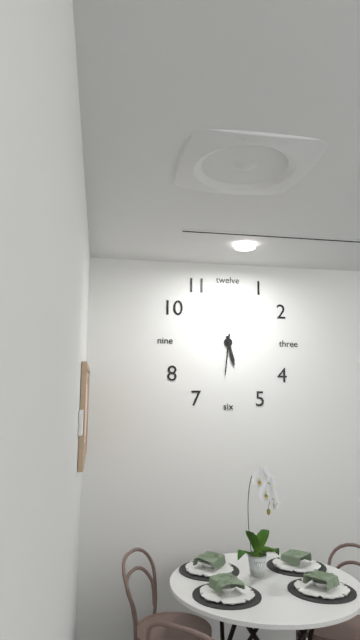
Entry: h=5 m=31
